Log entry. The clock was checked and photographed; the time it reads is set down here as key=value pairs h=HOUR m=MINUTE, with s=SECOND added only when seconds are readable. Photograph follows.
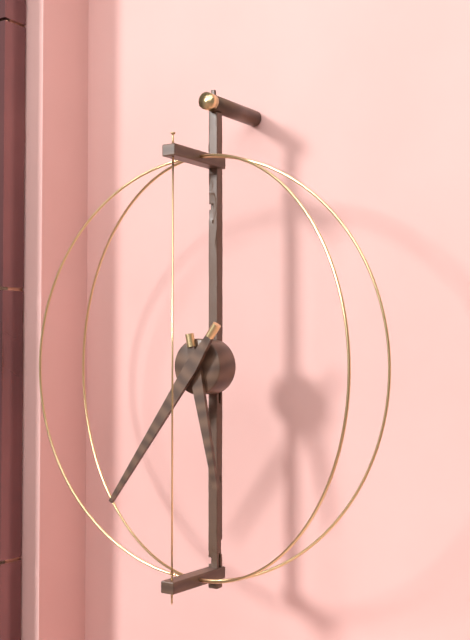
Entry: h=5 m=36
